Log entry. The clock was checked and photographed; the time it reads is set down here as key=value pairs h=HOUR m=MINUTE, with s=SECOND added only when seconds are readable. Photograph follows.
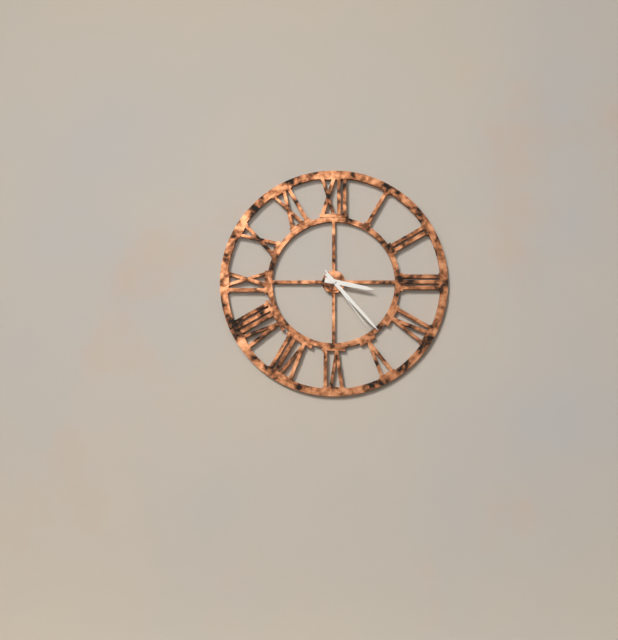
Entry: h=3 m=23 s=24
